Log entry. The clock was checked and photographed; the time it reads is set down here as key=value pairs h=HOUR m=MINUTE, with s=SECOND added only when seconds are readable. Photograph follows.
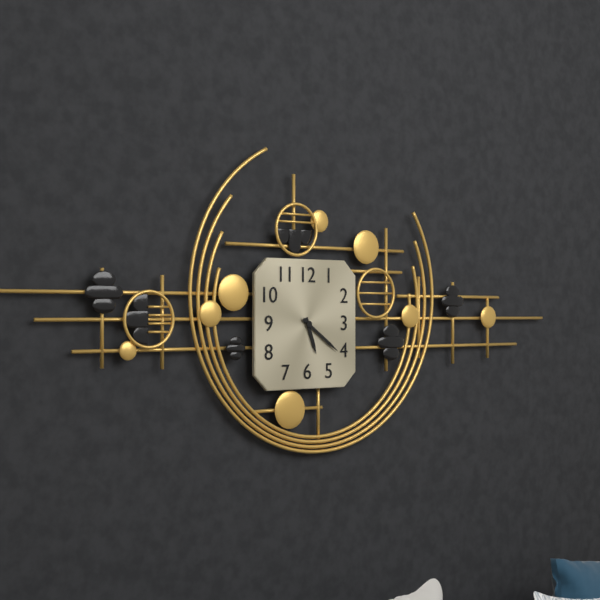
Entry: h=5 m=21
